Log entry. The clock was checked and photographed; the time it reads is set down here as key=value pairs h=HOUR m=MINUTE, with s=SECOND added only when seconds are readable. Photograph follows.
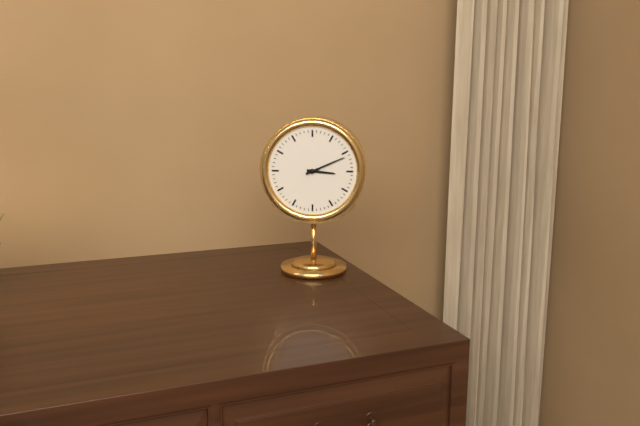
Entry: h=3 m=11
